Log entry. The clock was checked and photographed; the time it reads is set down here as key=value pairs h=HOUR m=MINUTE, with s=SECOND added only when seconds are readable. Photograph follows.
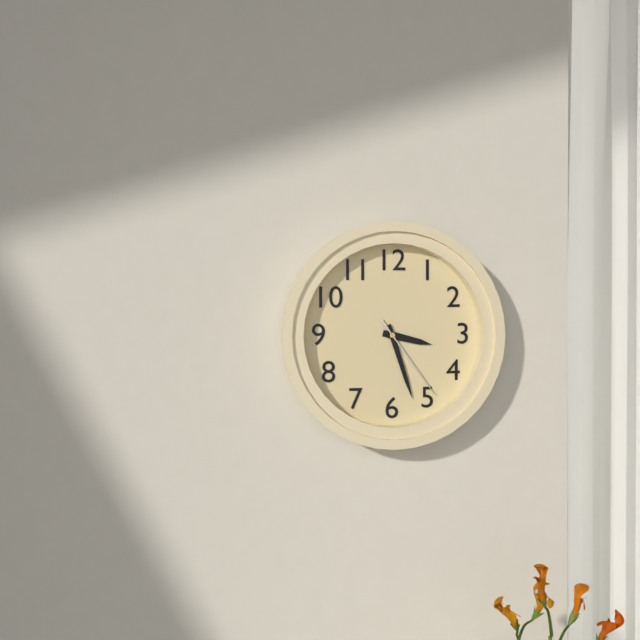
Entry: h=3 m=27 s=24
